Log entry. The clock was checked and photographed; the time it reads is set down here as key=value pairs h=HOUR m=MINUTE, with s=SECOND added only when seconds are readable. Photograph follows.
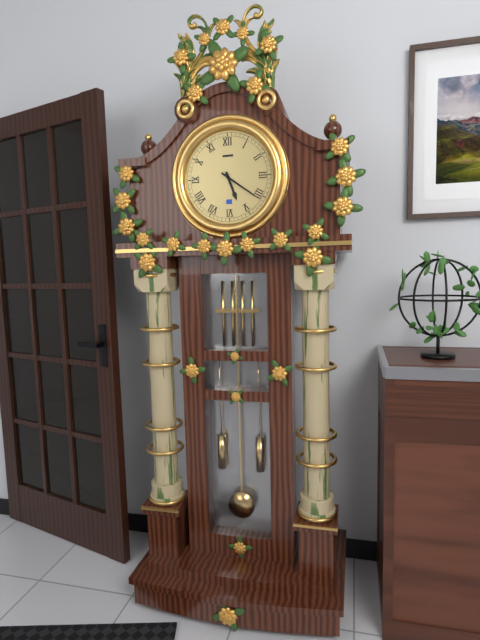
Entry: h=5 m=21
